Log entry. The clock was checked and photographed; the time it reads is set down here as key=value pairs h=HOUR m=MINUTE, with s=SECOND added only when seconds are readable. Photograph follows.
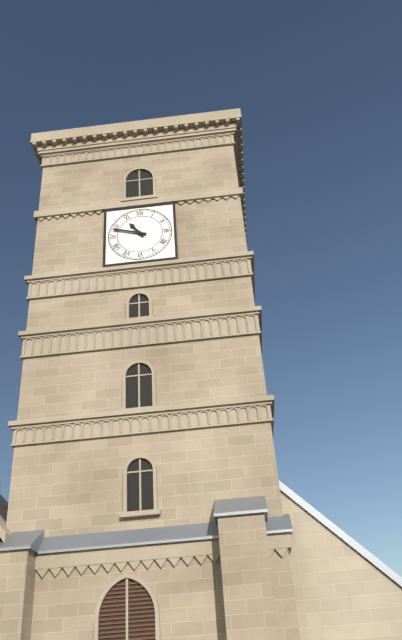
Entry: h=10 m=48
